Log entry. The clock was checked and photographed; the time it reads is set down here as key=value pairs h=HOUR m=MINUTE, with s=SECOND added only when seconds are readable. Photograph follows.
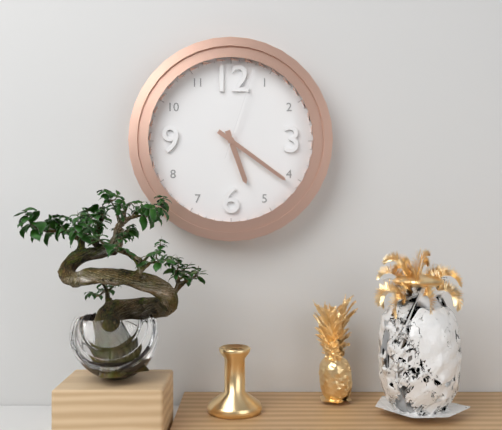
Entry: h=5 m=21 s=3
